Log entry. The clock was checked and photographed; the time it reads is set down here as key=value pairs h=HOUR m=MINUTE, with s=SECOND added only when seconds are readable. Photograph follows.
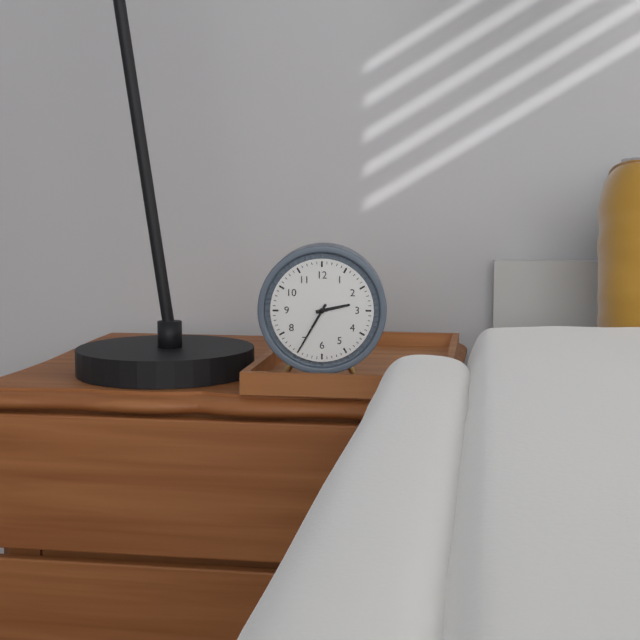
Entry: h=2 m=35
